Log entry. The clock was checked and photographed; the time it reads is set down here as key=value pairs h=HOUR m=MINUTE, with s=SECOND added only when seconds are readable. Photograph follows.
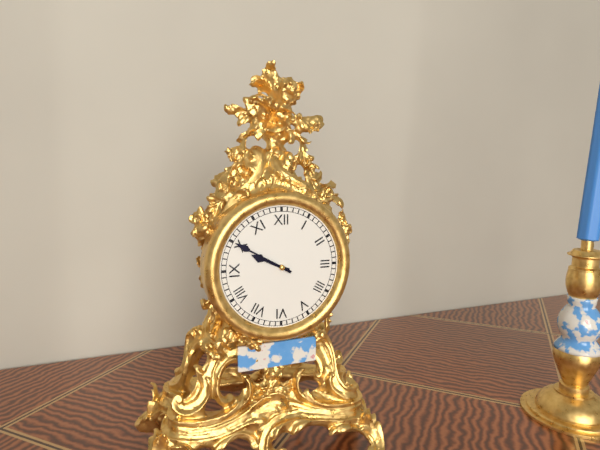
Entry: h=9 m=50
